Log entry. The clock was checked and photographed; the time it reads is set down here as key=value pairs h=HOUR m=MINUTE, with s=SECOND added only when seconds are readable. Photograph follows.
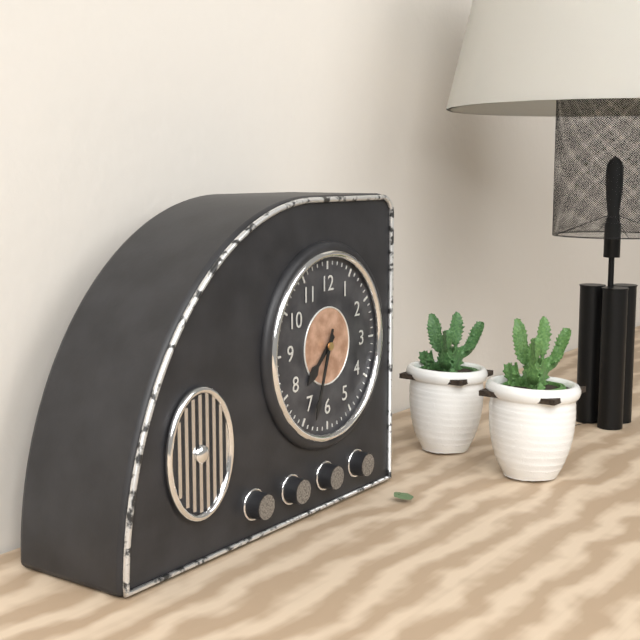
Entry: h=7 m=33
